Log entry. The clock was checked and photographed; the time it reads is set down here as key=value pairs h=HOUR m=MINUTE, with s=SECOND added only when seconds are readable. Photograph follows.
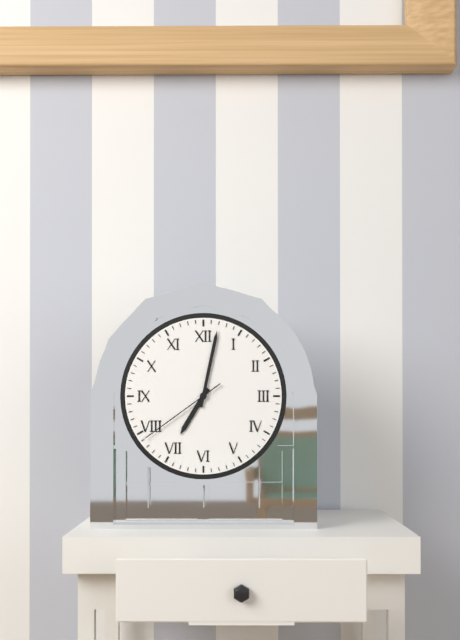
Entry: h=7 m=2 s=39
